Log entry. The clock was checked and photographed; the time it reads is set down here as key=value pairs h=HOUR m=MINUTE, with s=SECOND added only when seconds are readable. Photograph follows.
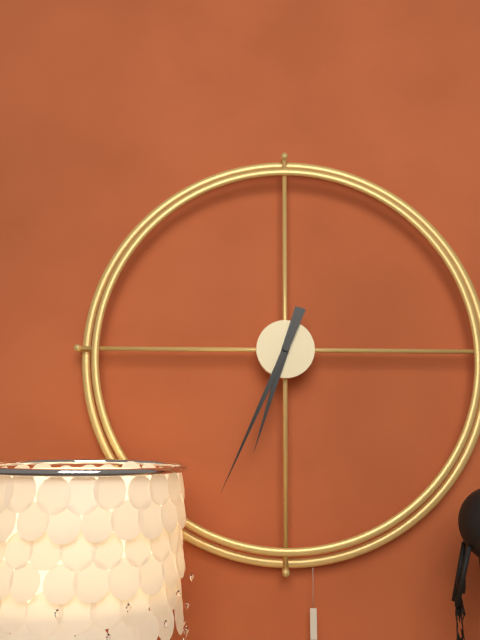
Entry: h=6 m=34
